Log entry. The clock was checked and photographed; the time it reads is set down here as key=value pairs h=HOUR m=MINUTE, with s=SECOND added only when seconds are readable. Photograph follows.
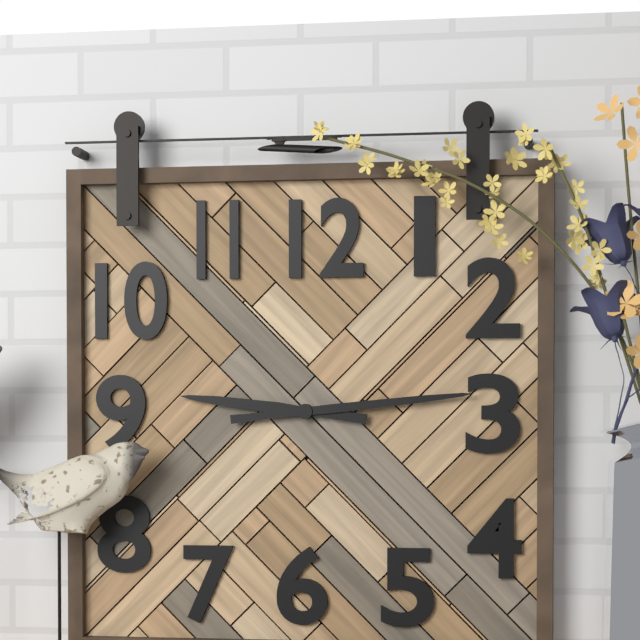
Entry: h=9 m=14
